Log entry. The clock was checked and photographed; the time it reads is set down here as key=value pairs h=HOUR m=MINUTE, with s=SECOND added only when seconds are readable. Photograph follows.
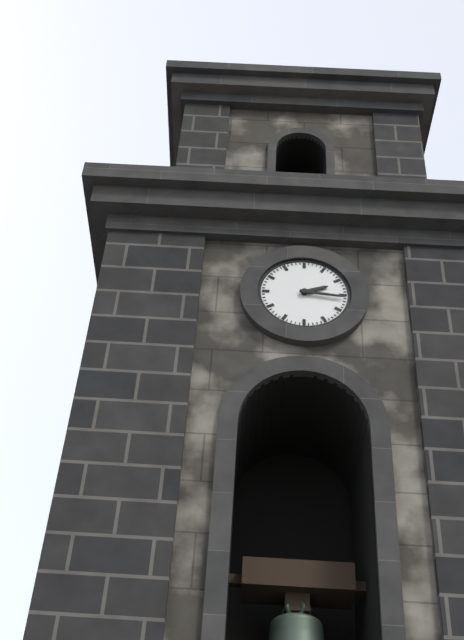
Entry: h=2 m=16
